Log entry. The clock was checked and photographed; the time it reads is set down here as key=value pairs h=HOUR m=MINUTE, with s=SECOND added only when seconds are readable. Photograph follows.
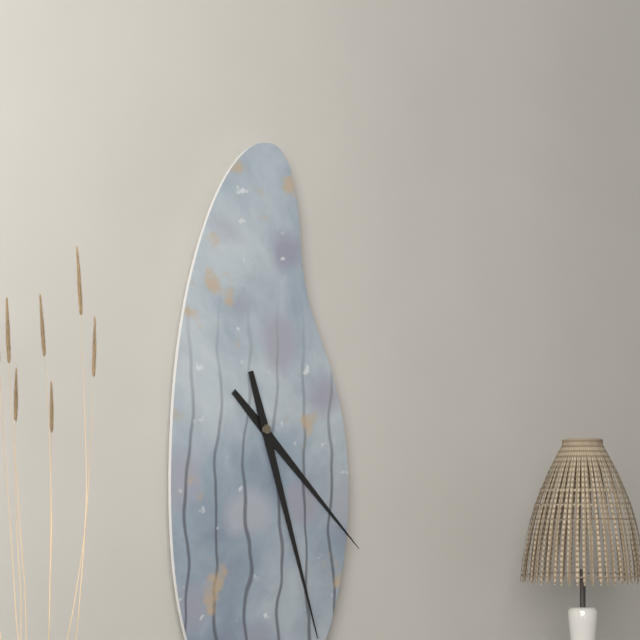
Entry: h=4 m=27
